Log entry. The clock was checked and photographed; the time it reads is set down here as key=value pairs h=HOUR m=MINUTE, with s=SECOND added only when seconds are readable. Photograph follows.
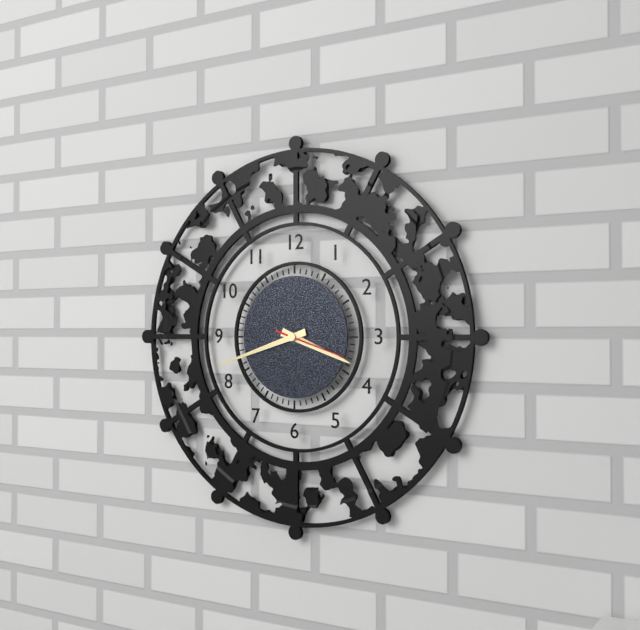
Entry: h=3 m=42 s=18
